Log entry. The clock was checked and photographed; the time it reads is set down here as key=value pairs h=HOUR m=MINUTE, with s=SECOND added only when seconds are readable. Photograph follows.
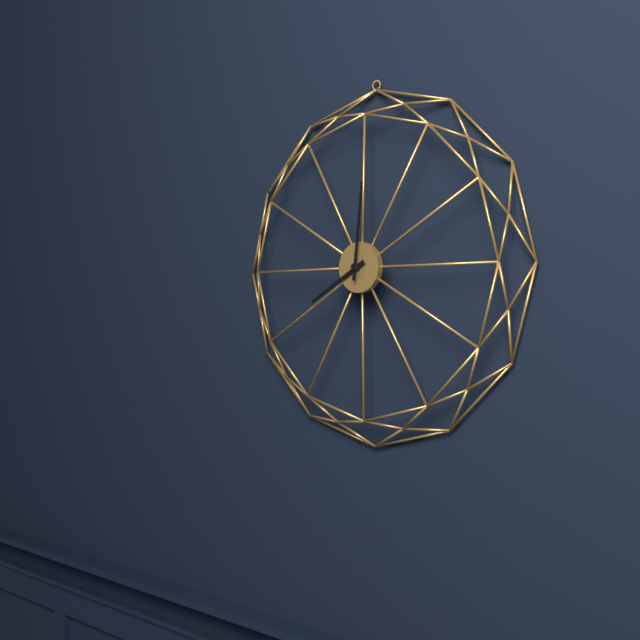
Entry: h=8 m=1
